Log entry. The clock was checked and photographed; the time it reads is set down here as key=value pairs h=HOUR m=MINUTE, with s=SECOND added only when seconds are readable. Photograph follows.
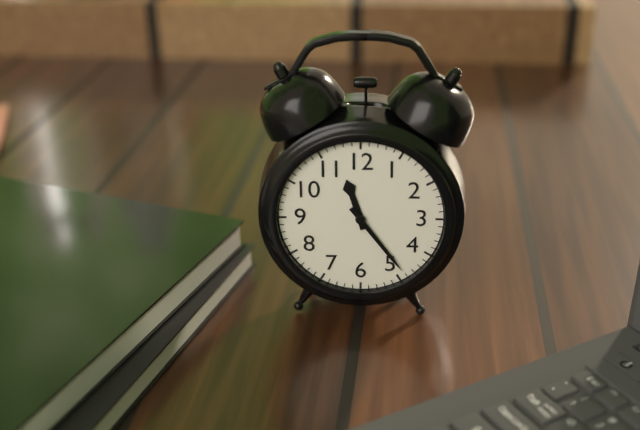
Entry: h=11 m=24
